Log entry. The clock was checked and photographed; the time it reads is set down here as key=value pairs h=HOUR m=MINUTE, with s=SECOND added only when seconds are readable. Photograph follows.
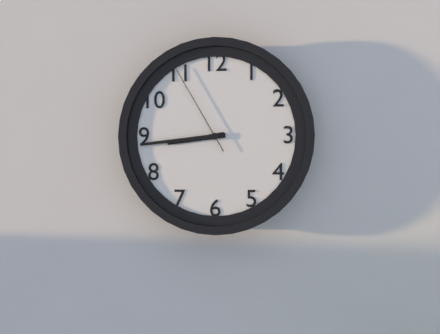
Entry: h=8 m=44 s=55
